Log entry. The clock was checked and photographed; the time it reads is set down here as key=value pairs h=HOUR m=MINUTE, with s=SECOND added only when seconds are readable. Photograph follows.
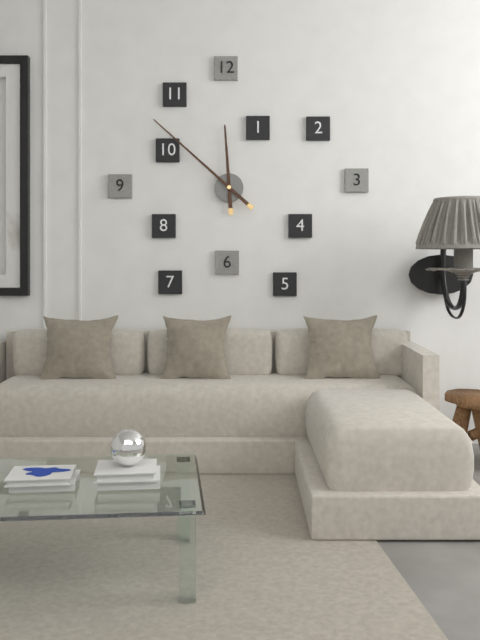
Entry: h=11 m=52
